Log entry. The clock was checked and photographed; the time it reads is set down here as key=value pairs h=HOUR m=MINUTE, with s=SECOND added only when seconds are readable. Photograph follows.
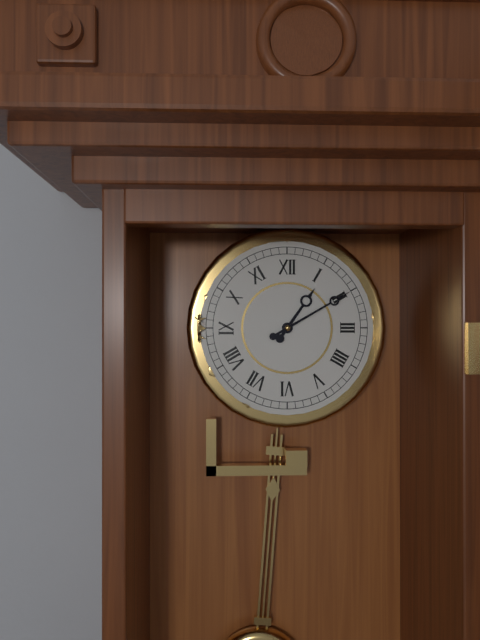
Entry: h=1 m=10
